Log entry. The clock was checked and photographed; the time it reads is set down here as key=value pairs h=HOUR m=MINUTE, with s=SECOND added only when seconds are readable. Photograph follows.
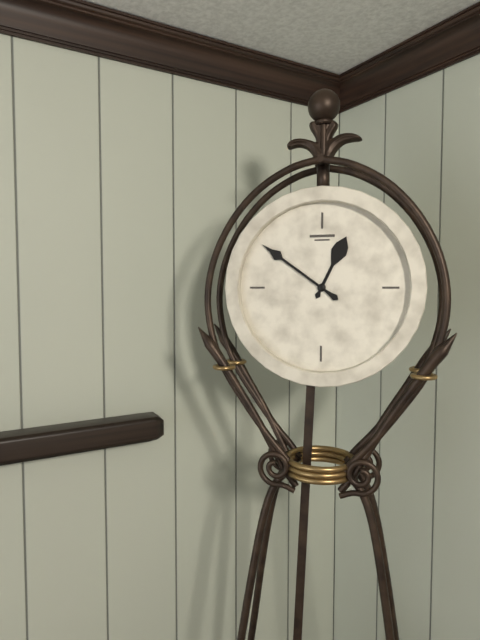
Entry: h=12 m=51
